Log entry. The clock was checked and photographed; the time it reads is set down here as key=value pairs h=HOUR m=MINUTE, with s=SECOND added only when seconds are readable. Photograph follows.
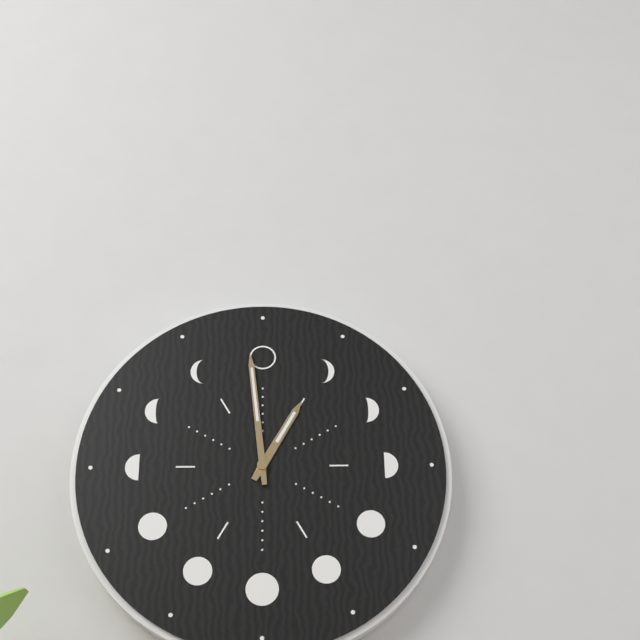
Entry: h=12 m=59
